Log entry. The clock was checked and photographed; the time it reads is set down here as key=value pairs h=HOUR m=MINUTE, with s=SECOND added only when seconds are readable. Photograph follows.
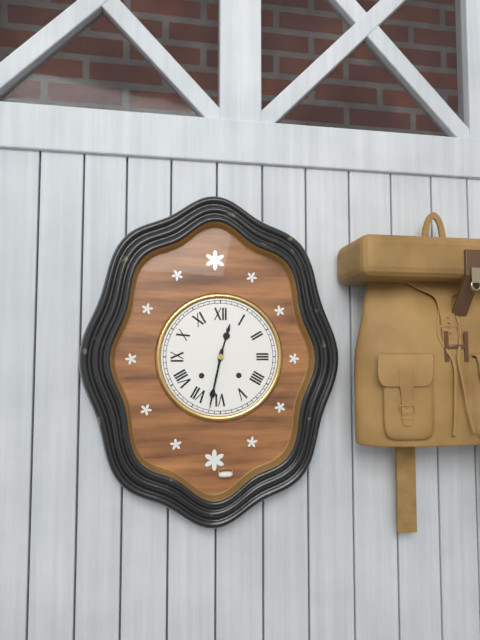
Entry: h=12 m=32
